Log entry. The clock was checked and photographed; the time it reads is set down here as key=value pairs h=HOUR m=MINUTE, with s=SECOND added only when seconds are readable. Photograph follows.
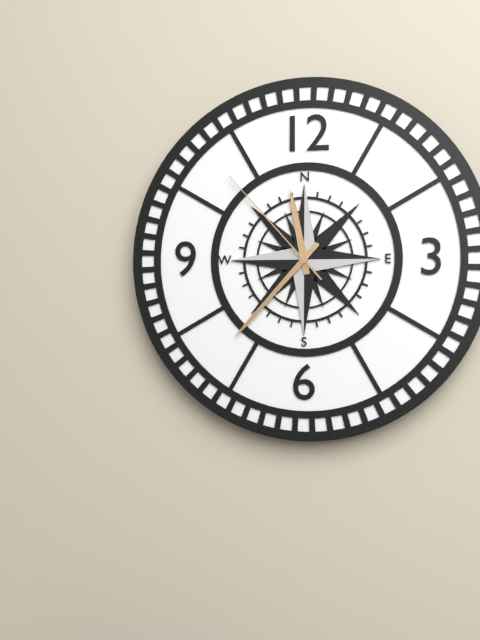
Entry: h=11 m=37 s=53
